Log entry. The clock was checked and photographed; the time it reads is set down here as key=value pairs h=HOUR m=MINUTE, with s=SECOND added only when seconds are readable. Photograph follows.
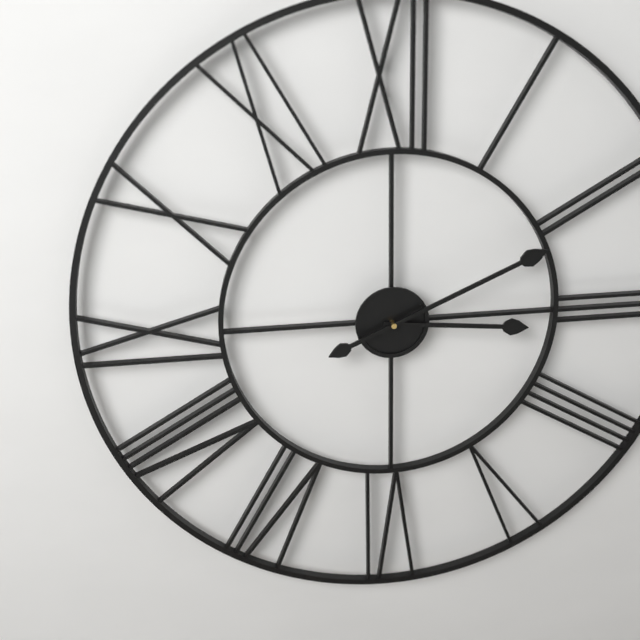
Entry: h=3 m=11
